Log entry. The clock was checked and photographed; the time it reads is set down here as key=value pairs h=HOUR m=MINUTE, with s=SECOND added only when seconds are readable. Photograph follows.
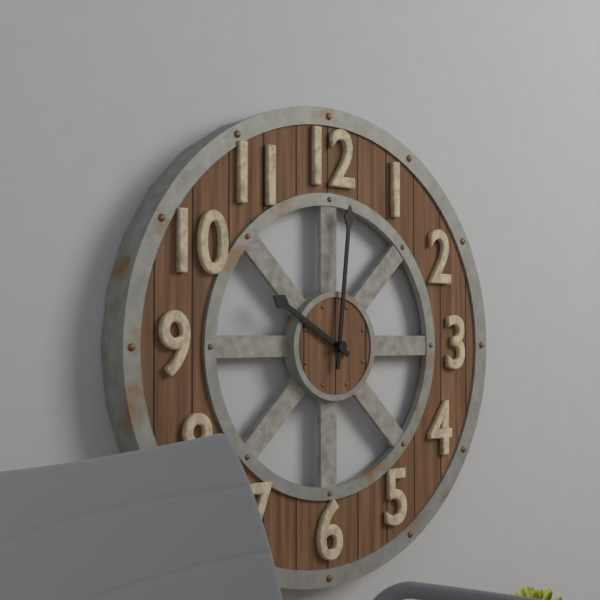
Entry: h=10 m=1
